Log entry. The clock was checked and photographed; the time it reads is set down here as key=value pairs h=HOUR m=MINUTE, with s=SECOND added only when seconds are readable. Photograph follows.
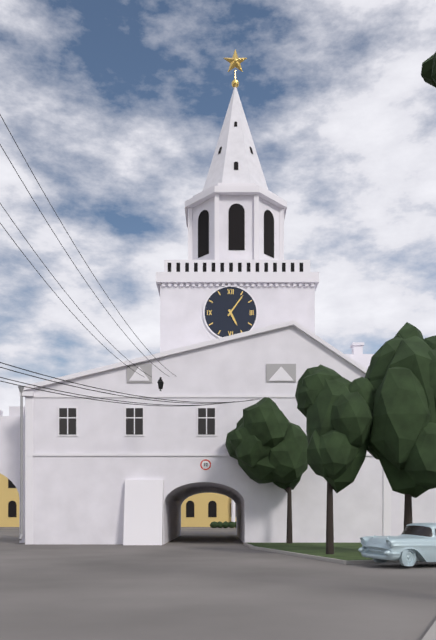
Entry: h=5 m=6
